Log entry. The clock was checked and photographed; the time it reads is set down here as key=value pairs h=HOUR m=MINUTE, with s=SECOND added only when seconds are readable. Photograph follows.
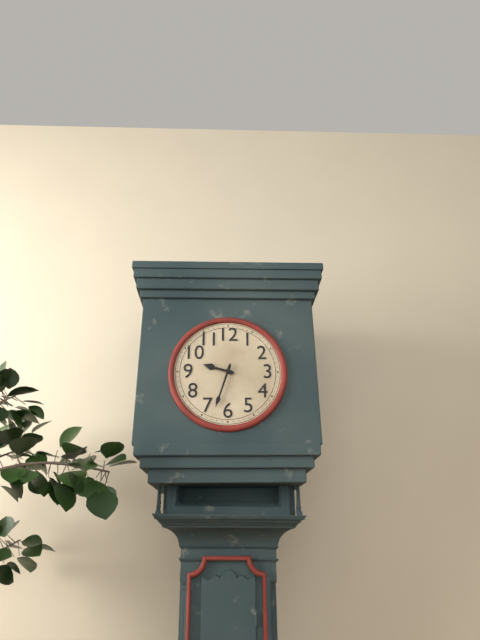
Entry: h=9 m=33
